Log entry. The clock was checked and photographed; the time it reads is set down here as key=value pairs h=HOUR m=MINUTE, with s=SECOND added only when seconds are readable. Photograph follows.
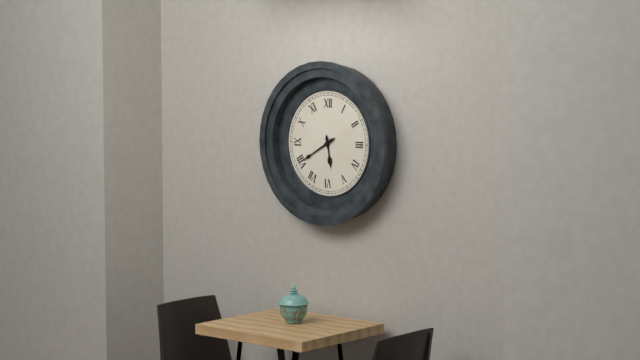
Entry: h=5 m=40
